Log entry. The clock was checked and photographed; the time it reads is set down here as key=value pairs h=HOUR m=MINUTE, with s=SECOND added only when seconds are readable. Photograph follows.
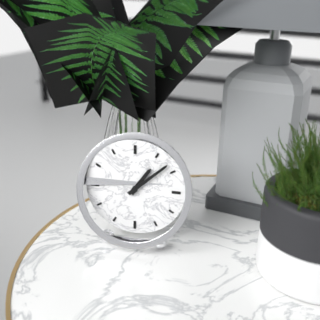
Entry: h=1 m=8
